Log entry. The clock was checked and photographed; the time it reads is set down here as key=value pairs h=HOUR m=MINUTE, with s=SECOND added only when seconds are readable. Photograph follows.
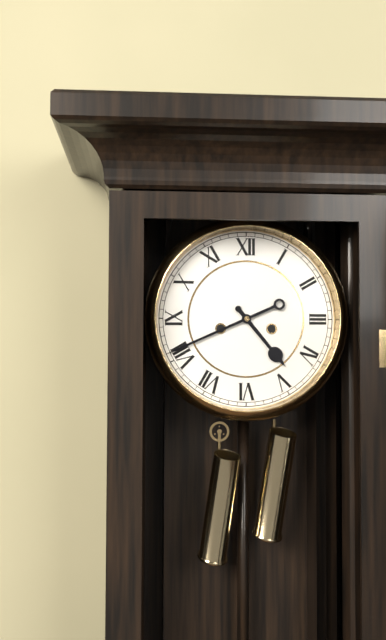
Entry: h=4 m=41
